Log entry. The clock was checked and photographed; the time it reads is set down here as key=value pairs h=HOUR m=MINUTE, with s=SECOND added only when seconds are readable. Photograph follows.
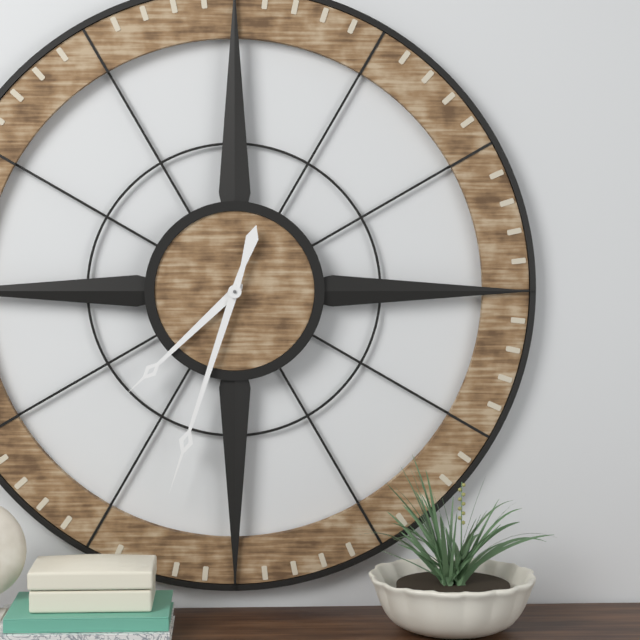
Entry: h=7 m=33
